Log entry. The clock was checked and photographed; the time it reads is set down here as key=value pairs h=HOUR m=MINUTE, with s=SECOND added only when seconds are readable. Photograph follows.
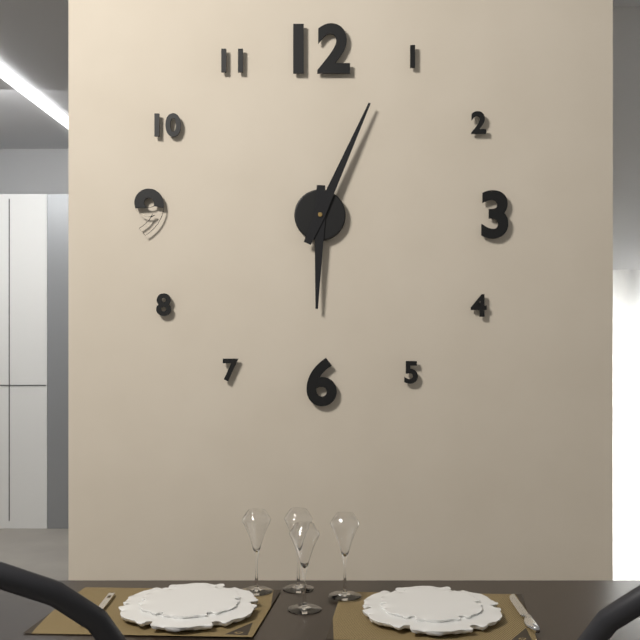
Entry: h=6 m=4
